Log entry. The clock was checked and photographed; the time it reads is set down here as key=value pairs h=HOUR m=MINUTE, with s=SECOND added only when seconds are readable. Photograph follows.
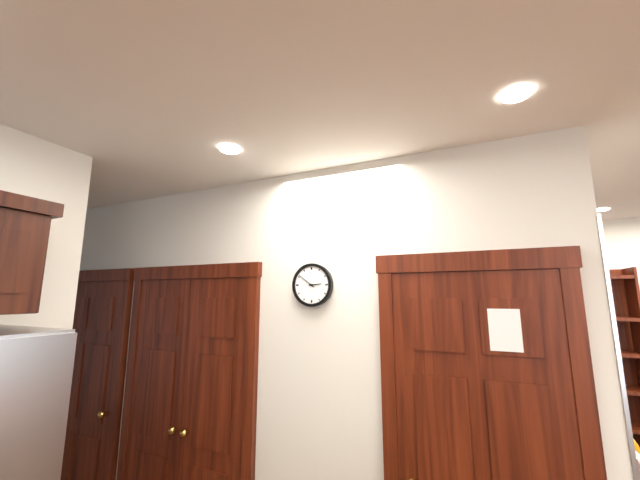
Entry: h=2 m=51
